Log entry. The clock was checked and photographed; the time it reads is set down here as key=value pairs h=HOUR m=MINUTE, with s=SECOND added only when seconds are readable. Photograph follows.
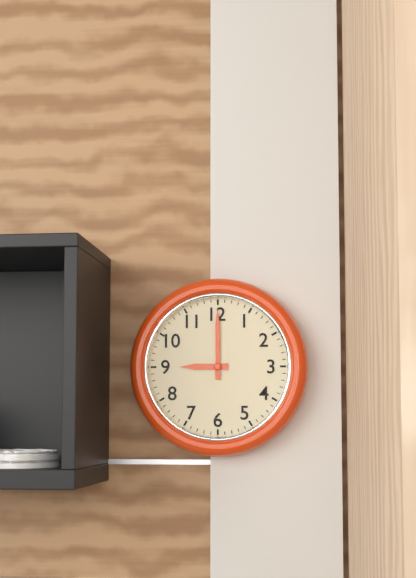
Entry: h=9 m=0
